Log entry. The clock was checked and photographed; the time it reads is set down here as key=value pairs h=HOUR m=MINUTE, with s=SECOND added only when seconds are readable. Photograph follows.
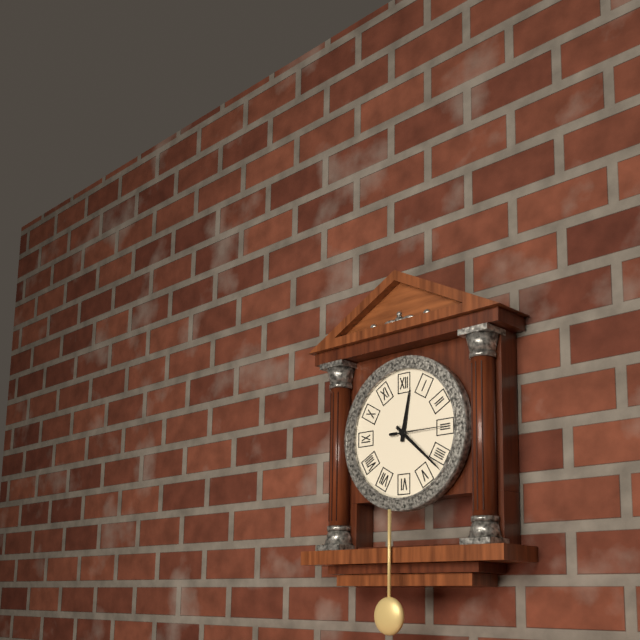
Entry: h=12 m=22 s=15
